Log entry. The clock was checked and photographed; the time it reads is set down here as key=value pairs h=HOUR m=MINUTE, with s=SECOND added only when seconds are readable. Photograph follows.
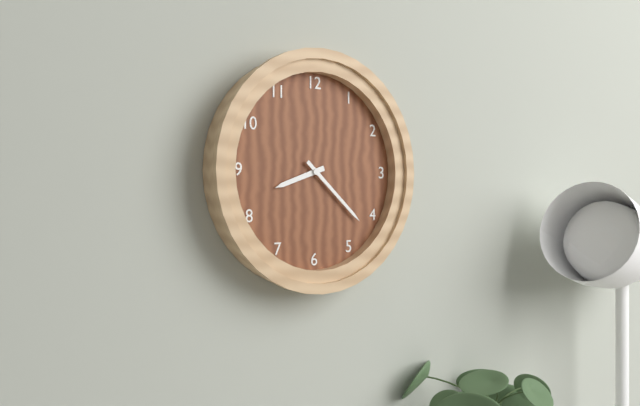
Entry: h=8 m=22
